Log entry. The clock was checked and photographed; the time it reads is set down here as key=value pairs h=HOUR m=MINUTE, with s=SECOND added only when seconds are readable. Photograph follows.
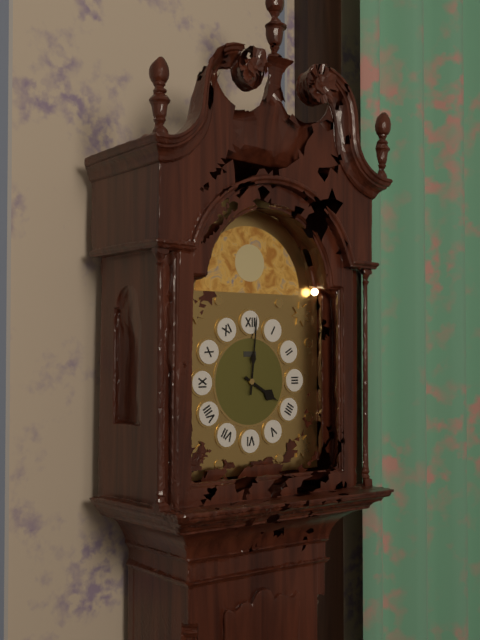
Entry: h=4 m=1
